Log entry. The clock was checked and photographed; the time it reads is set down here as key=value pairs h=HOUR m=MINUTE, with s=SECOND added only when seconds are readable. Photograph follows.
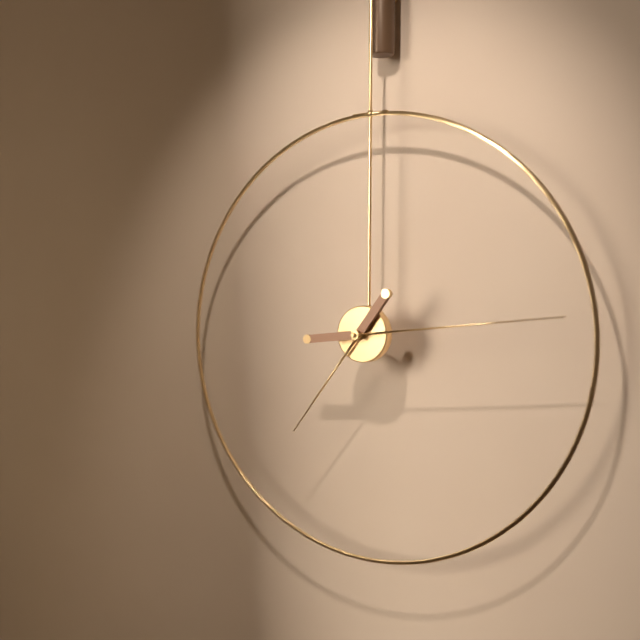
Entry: h=7 m=14
